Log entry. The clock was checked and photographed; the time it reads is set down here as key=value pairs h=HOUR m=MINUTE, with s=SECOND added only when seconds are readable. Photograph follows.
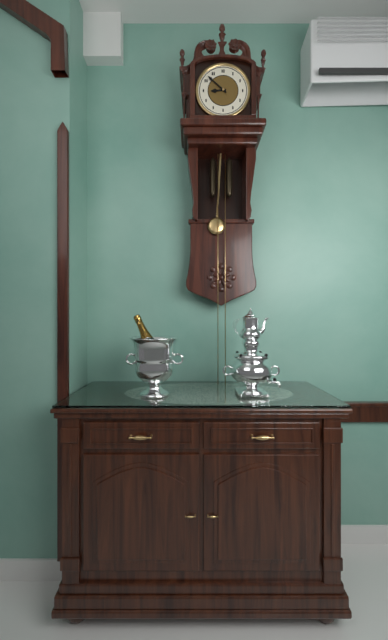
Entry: h=8 m=52
